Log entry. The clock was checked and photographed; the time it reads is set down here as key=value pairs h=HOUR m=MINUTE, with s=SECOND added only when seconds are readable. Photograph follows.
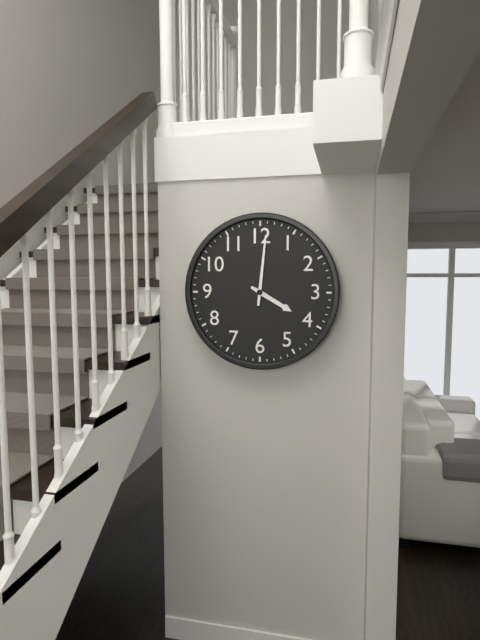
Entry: h=4 m=1
